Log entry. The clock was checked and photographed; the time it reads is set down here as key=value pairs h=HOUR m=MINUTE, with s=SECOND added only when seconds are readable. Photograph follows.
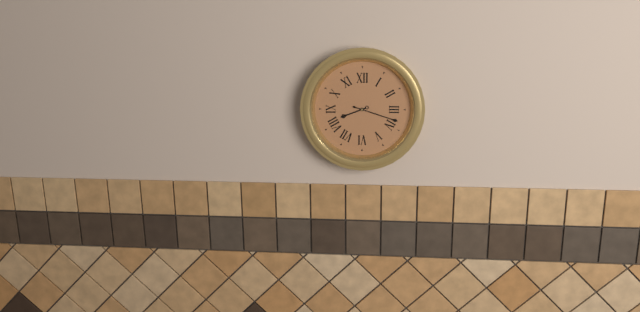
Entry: h=8 m=18
